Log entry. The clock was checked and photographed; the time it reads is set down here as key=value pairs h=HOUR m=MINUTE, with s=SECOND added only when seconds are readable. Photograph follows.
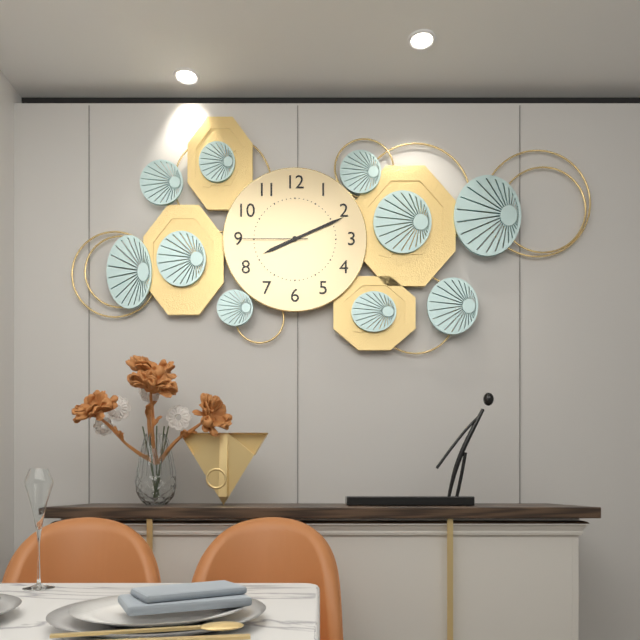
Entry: h=8 m=11 s=45
